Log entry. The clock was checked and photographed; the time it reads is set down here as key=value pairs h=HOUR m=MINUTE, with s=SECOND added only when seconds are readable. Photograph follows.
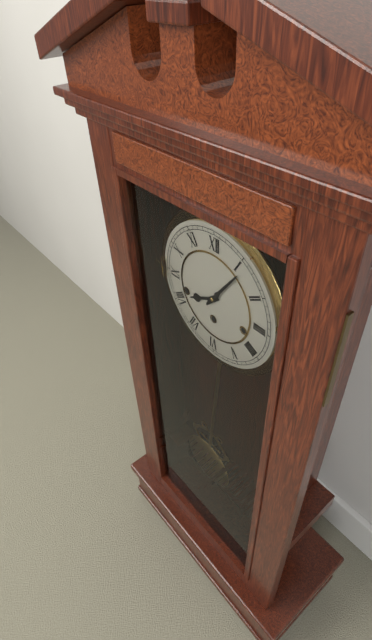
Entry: h=8 m=6
